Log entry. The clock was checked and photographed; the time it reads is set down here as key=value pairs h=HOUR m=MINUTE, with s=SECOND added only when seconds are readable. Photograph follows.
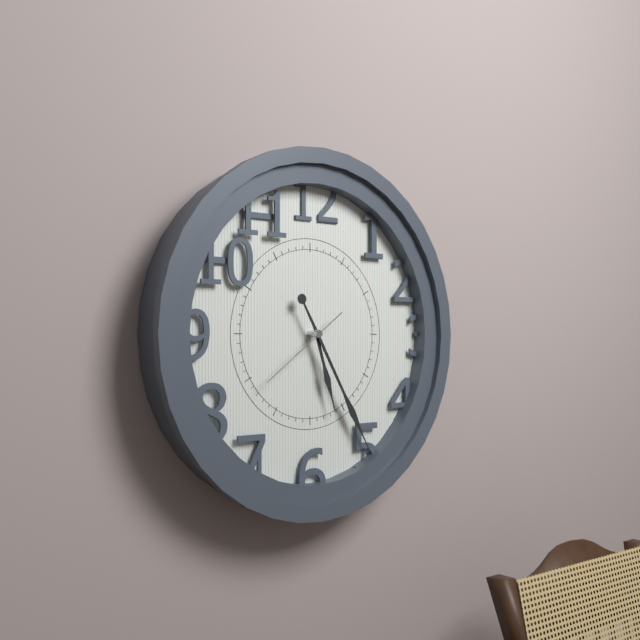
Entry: h=5 m=25 s=39
